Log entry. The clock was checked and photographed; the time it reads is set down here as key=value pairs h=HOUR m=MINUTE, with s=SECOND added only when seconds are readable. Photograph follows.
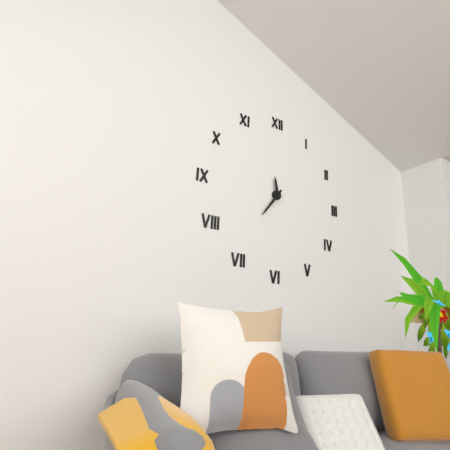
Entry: h=11 m=36
